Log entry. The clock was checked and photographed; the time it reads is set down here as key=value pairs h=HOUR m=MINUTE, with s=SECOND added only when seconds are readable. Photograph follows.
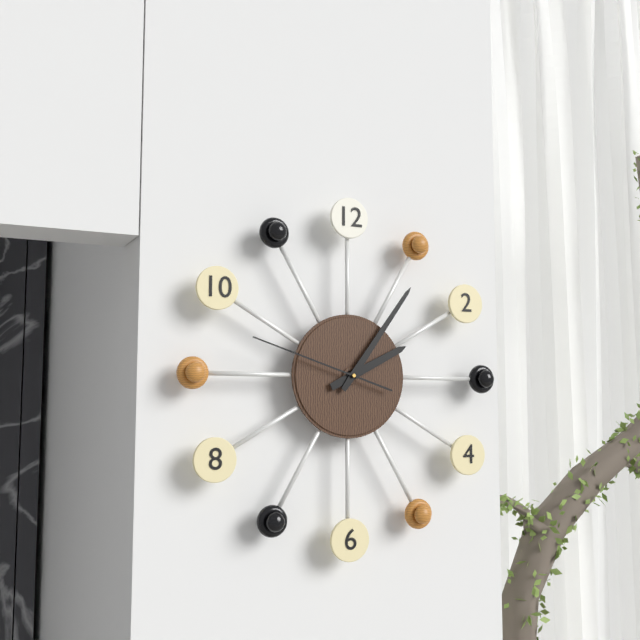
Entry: h=2 m=6 s=48
